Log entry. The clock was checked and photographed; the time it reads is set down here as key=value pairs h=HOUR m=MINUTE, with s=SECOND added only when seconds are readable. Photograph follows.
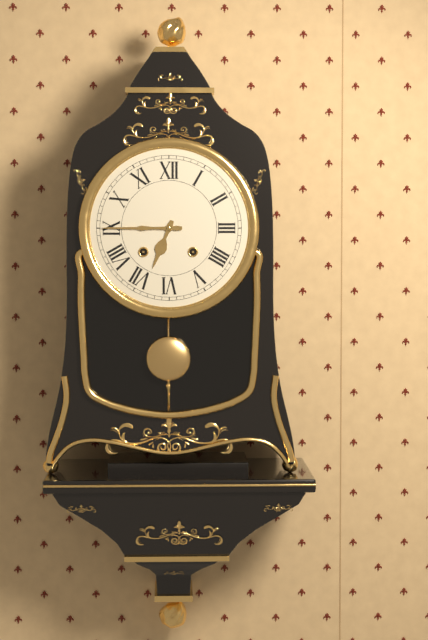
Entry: h=6 m=45
